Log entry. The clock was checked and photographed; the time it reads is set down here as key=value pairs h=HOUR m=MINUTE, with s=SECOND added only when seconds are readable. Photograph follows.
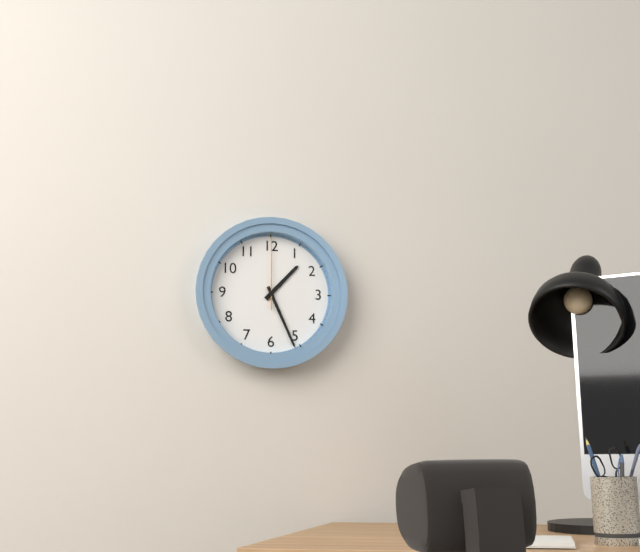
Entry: h=1 m=26 s=0
